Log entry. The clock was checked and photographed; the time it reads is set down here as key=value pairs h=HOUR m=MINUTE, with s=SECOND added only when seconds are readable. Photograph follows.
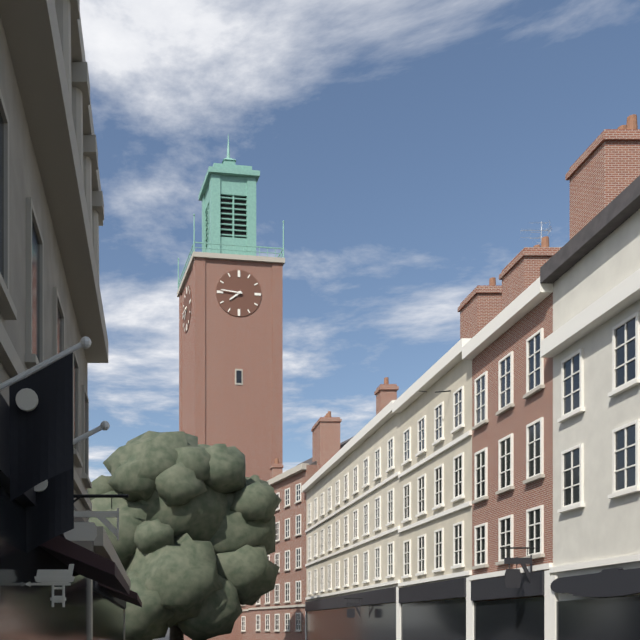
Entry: h=7 m=46
